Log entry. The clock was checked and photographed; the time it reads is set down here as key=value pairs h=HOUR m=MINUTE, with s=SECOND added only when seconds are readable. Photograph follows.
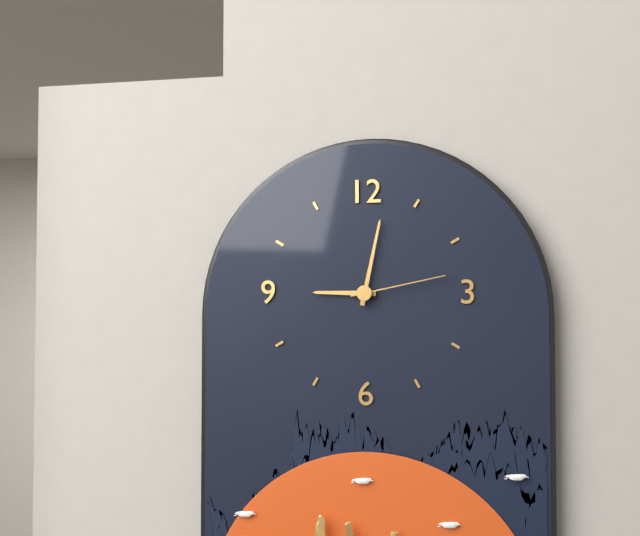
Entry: h=9 m=2 s=13
